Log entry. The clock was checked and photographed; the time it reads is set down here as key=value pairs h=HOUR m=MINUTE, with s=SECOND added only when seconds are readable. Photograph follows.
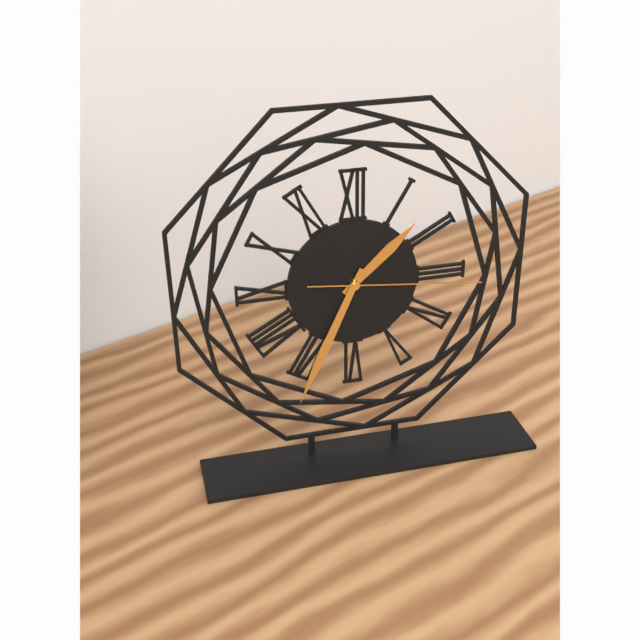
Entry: h=1 m=34 s=16
